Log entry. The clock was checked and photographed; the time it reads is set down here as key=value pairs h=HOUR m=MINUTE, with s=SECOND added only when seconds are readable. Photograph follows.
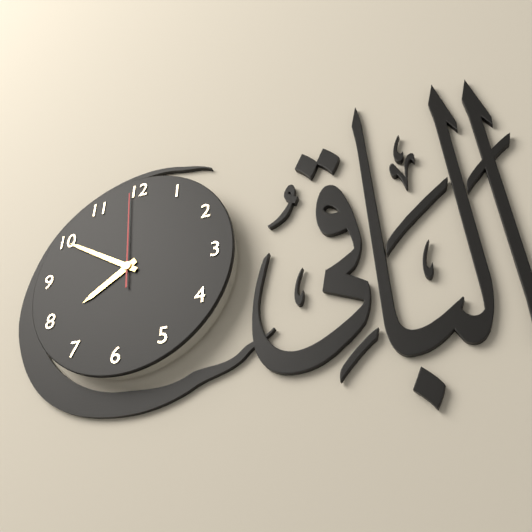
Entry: h=7 m=50 s=59
